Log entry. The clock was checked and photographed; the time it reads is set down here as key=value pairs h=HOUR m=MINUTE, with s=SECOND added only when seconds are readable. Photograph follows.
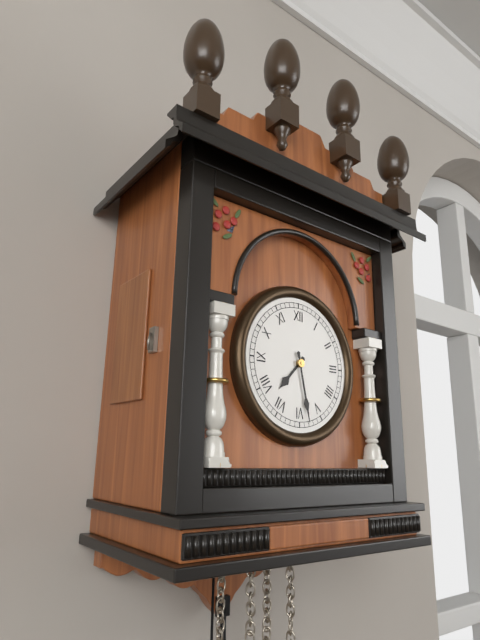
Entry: h=7 m=28
